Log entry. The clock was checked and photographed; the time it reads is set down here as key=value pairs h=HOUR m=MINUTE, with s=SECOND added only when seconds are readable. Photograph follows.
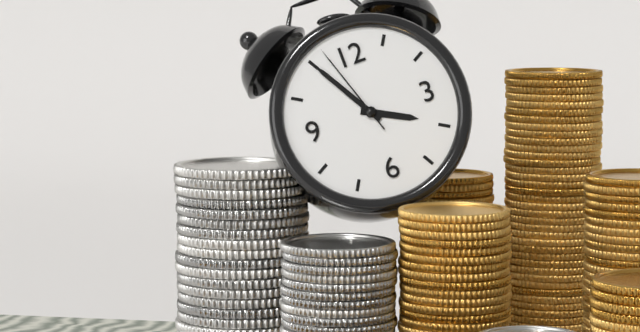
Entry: h=3 m=55 s=57
